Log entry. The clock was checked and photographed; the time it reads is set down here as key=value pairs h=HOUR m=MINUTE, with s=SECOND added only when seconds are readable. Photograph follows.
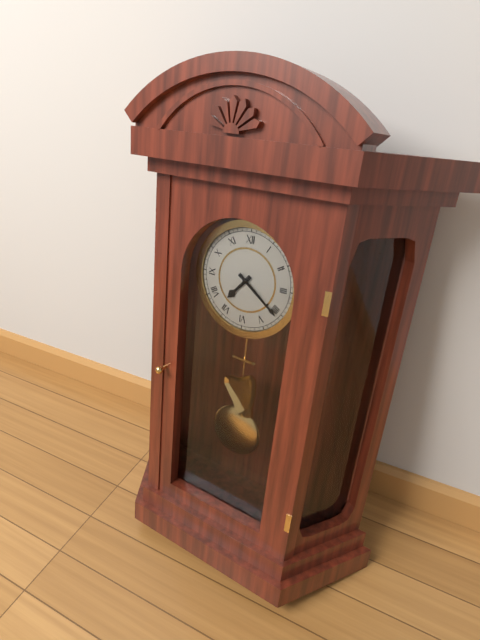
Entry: h=7 m=21
